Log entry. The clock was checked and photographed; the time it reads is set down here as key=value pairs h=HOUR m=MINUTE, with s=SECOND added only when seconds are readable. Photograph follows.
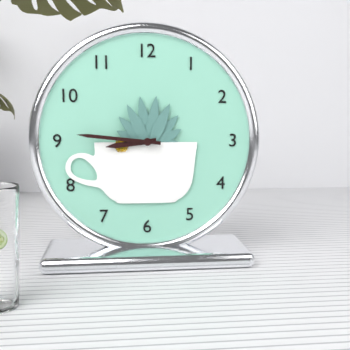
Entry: h=8 m=46
